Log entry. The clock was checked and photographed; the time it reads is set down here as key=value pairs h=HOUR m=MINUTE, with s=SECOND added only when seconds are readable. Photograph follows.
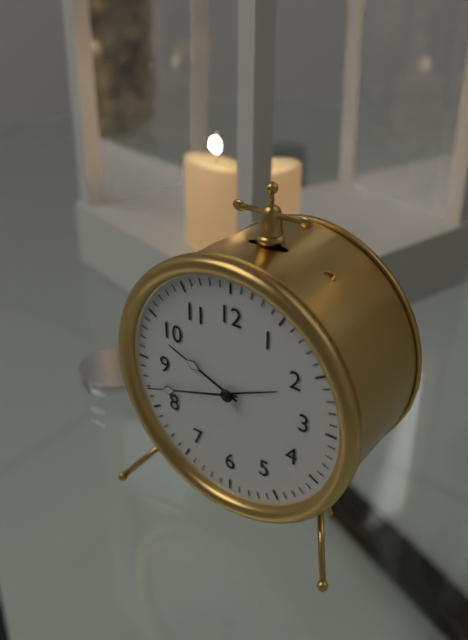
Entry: h=9 m=42
